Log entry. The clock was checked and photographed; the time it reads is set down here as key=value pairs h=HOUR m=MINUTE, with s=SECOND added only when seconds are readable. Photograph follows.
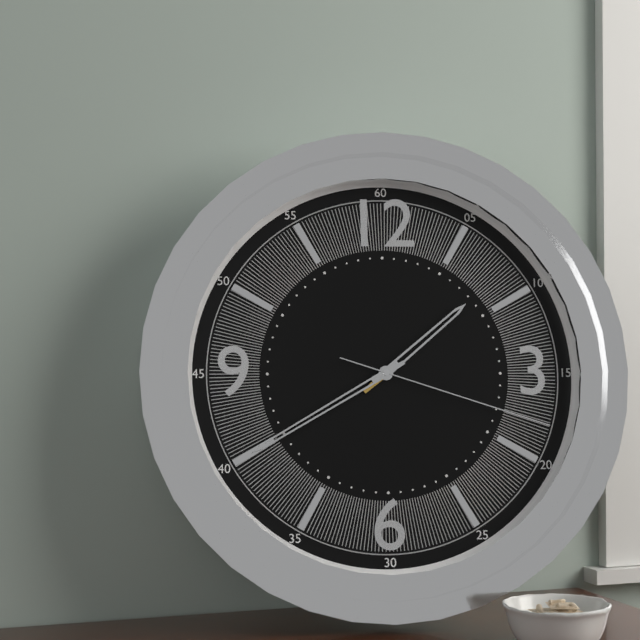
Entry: h=1 m=40 s=18
